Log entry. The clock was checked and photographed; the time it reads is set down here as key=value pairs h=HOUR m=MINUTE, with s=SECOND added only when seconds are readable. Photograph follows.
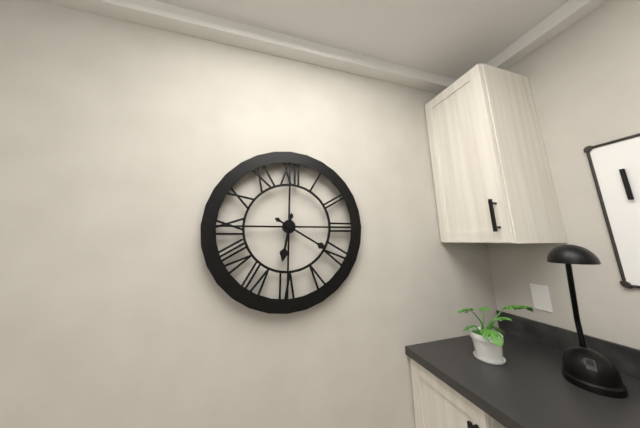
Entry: h=6 m=20
